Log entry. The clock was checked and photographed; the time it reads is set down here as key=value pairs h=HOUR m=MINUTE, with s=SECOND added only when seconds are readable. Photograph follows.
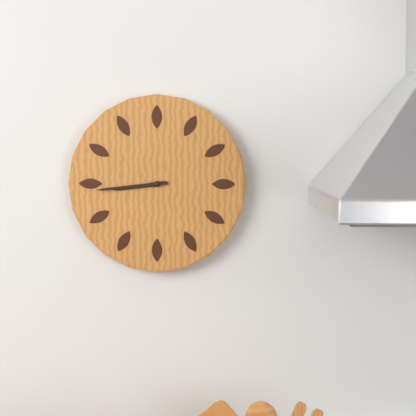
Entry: h=8 m=44
